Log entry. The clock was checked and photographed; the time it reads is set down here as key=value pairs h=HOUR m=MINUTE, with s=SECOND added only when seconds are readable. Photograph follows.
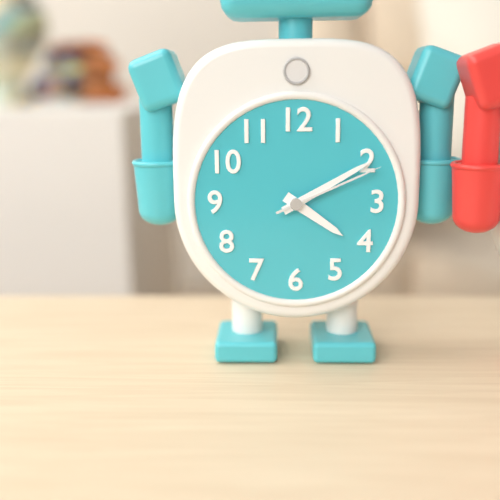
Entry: h=4 m=10 s=11
